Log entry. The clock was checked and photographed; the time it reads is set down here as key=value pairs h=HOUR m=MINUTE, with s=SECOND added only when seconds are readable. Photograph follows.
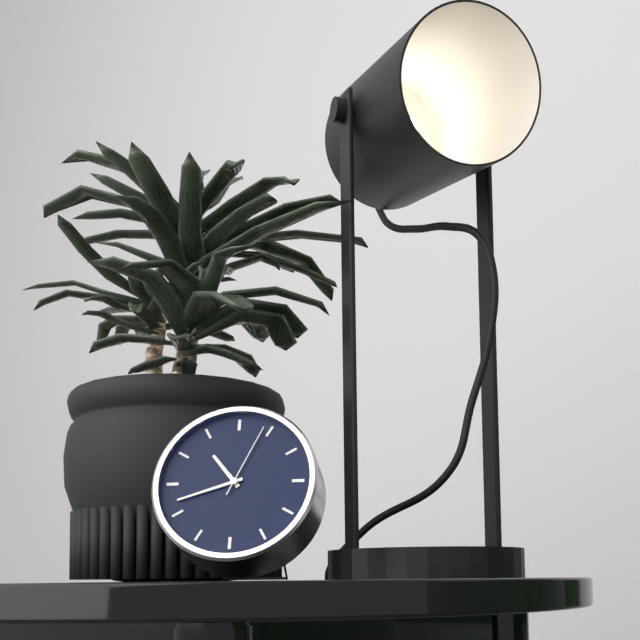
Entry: h=10 m=42 s=4
